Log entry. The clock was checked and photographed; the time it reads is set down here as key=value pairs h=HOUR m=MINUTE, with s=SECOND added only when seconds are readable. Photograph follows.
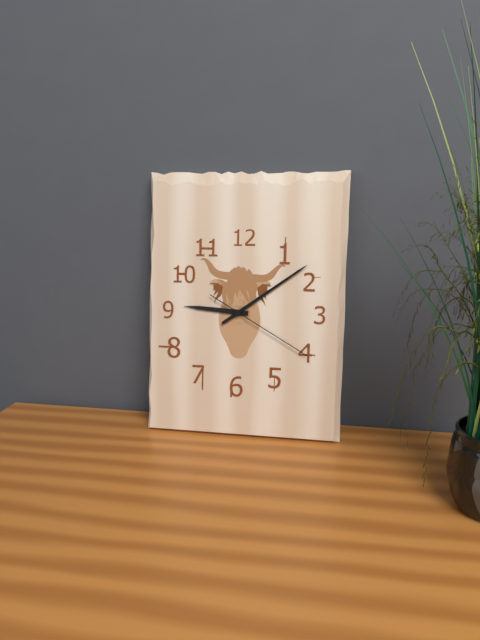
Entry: h=9 m=9 s=20
